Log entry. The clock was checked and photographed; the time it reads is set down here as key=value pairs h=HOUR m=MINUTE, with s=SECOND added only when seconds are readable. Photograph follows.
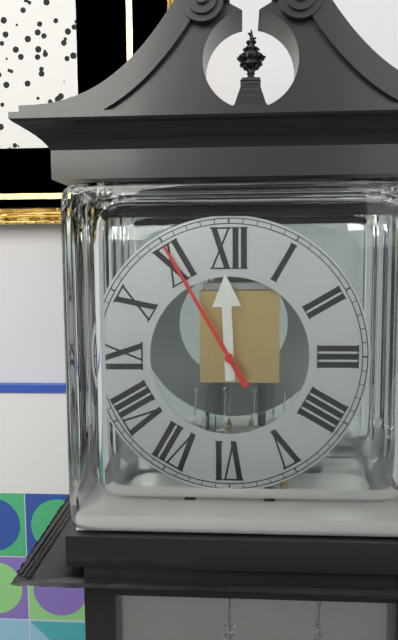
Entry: h=11 m=55
